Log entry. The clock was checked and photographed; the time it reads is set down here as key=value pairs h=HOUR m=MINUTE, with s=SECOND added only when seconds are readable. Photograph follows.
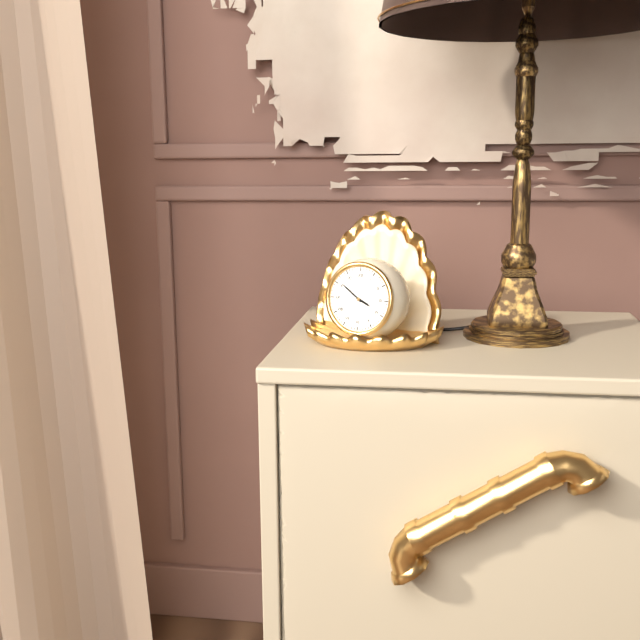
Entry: h=3 m=51
